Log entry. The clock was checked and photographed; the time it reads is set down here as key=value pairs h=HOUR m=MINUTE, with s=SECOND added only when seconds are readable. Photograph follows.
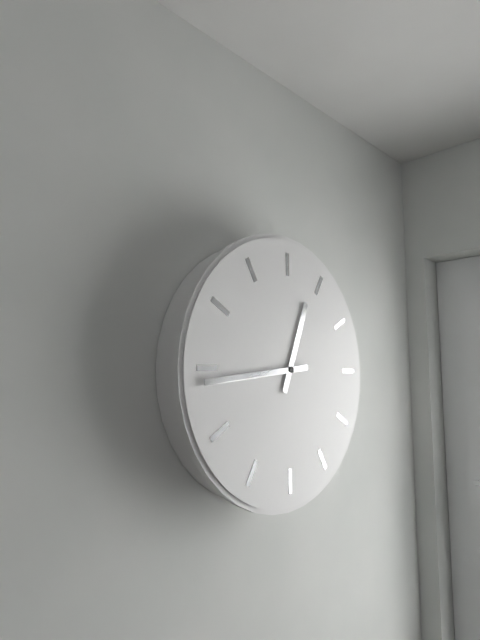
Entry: h=12 m=44
